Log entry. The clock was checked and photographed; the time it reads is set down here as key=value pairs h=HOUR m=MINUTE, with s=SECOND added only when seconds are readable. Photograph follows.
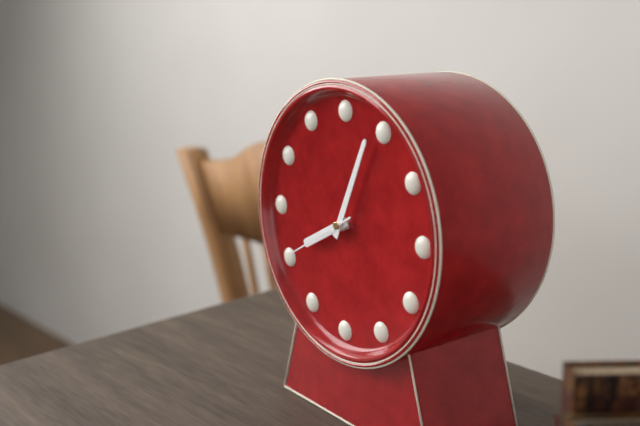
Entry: h=8 m=4 s=40
